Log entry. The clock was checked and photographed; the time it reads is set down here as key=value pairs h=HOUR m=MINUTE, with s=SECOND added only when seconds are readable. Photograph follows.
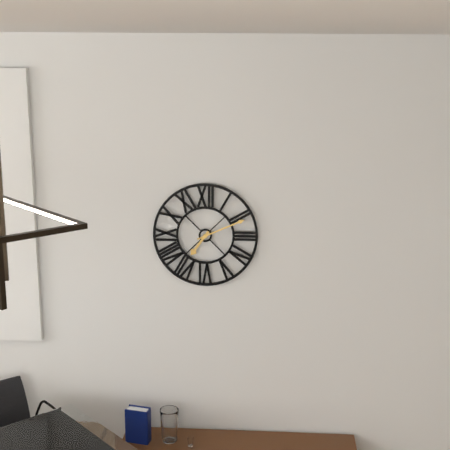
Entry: h=7 m=11
